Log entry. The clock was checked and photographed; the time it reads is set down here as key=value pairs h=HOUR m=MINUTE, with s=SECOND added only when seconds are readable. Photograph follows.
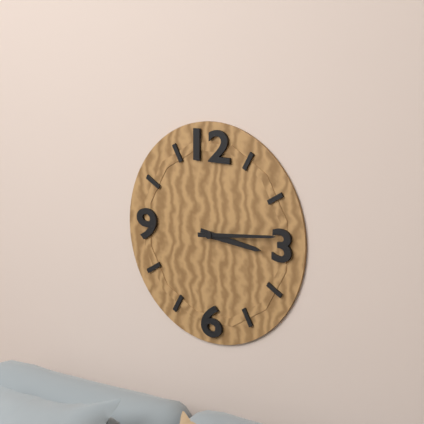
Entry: h=3 m=14
